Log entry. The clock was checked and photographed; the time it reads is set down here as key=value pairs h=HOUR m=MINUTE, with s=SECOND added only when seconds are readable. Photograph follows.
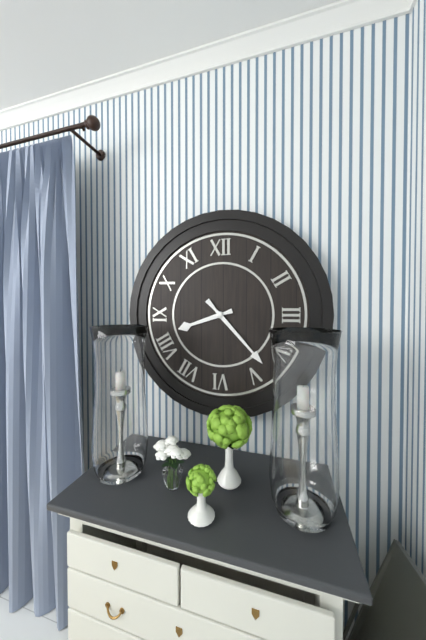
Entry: h=8 m=23
